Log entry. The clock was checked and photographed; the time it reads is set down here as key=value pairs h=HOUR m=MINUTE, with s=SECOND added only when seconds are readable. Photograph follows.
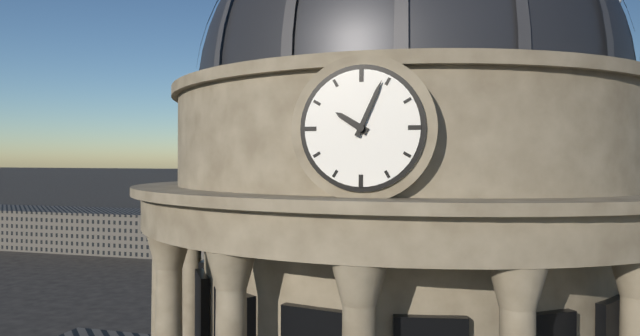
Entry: h=10 m=4
